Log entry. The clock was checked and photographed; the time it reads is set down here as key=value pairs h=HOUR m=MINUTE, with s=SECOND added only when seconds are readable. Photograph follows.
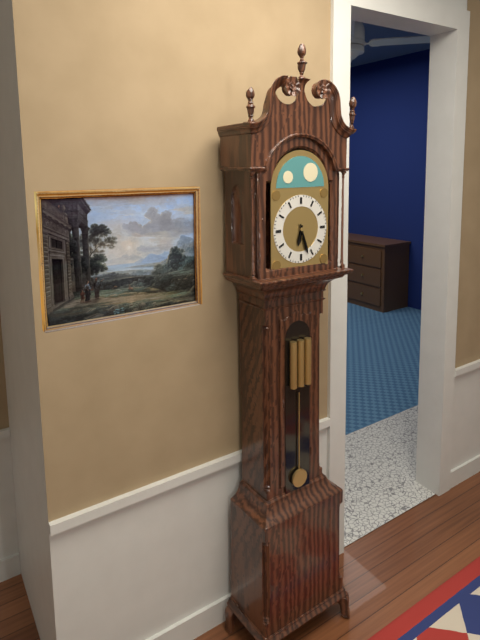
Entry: h=6 m=27
